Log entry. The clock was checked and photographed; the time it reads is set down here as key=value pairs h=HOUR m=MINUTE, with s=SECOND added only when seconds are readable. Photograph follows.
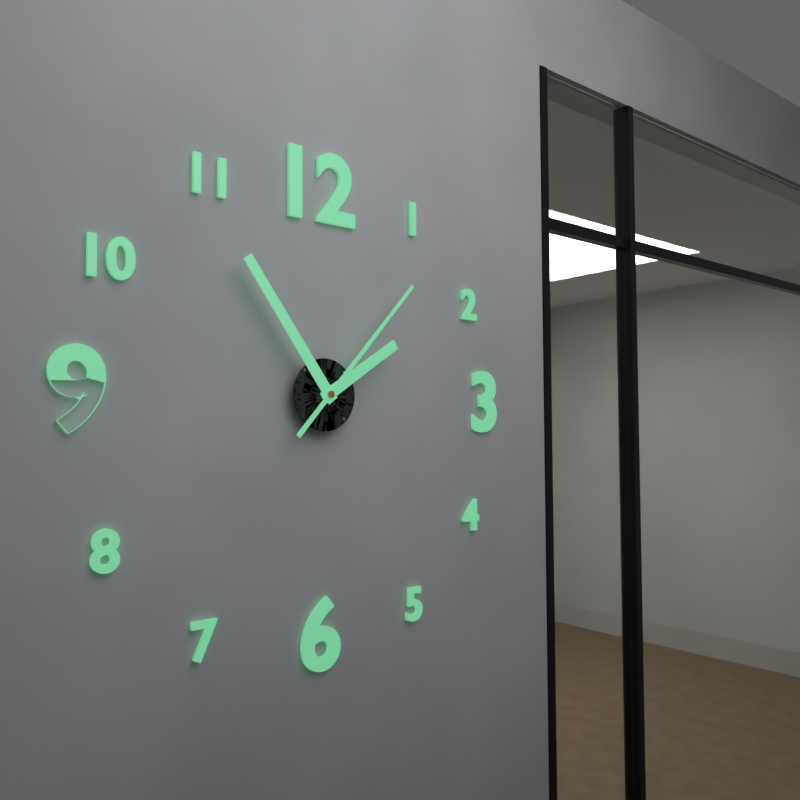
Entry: h=1 m=54 s=7
